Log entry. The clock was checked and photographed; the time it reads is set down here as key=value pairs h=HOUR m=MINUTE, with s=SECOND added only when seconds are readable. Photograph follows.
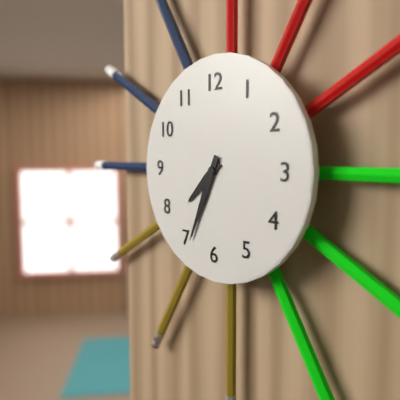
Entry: h=7 m=34
